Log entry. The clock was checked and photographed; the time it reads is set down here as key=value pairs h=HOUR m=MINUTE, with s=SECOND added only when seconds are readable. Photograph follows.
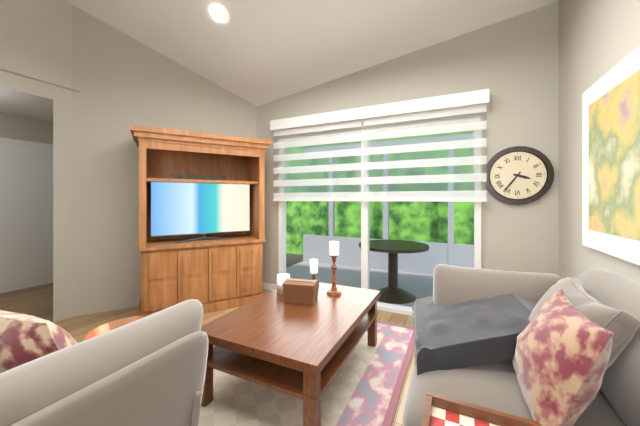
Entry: h=3 m=36
